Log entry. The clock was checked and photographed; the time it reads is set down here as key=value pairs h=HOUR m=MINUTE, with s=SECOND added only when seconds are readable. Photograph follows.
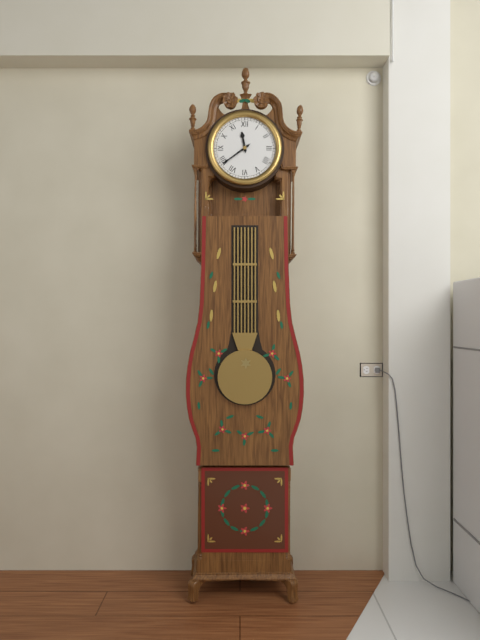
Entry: h=11 m=39
